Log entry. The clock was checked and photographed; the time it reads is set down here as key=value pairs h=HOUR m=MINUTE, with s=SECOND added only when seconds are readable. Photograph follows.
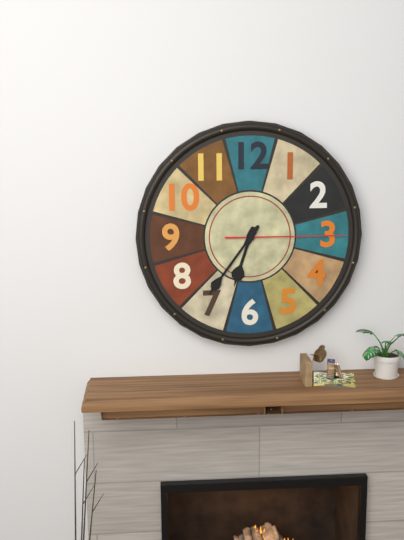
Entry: h=6 m=36 s=15
